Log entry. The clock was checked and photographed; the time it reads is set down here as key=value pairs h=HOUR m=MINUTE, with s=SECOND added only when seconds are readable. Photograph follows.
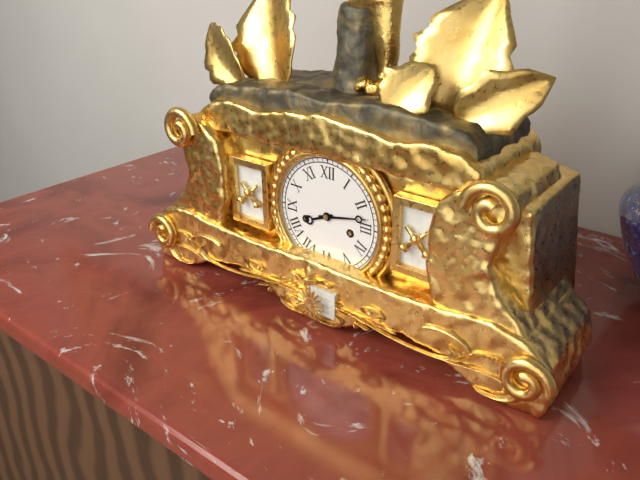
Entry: h=8 m=13
